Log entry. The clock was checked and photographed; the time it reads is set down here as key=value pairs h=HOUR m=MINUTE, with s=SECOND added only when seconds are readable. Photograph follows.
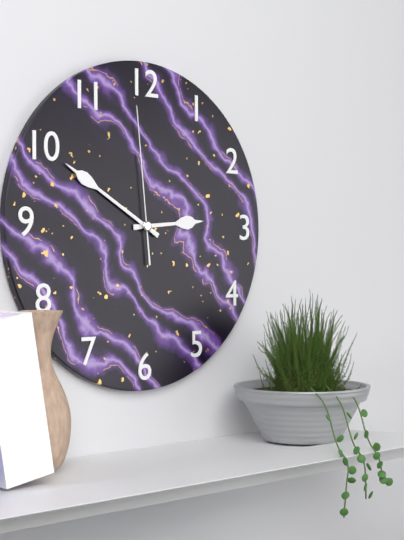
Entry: h=2 m=50 s=59
